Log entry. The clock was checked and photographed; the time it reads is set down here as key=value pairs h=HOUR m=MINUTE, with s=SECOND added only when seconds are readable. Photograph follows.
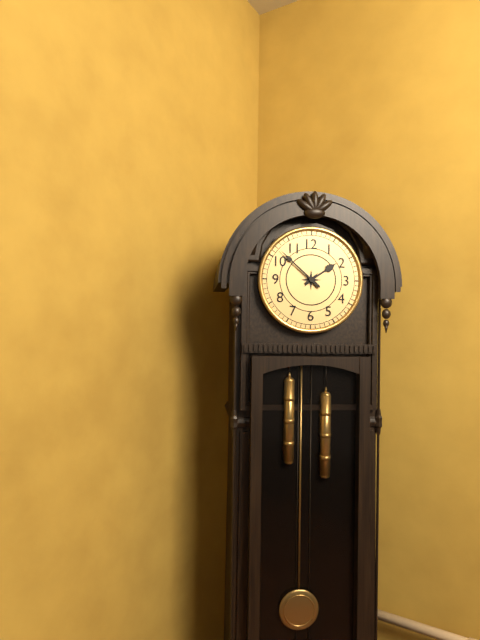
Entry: h=1 m=52
